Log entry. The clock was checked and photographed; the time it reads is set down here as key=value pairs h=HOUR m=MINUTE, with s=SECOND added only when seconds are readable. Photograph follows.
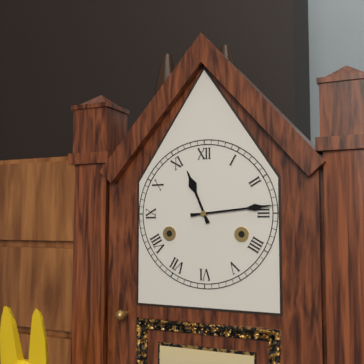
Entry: h=11 m=14
